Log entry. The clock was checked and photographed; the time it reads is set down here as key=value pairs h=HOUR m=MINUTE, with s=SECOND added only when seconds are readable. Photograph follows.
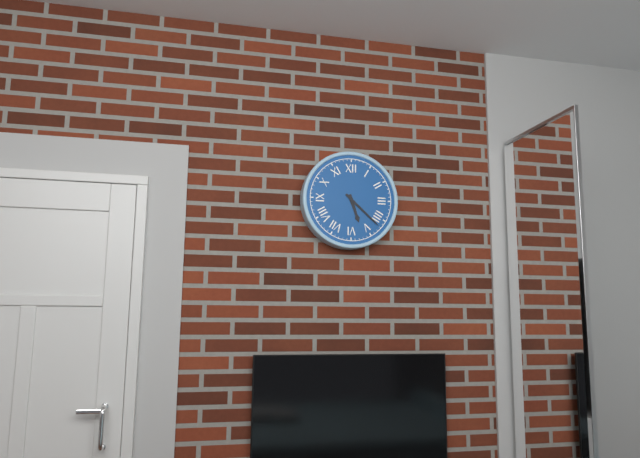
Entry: h=5 m=22
